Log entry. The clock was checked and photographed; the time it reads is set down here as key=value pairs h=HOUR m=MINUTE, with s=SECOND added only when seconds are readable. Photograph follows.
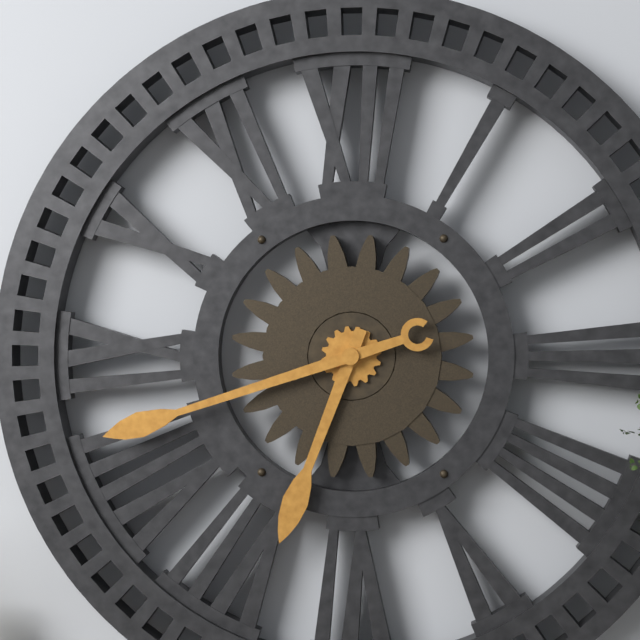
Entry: h=6 m=42
